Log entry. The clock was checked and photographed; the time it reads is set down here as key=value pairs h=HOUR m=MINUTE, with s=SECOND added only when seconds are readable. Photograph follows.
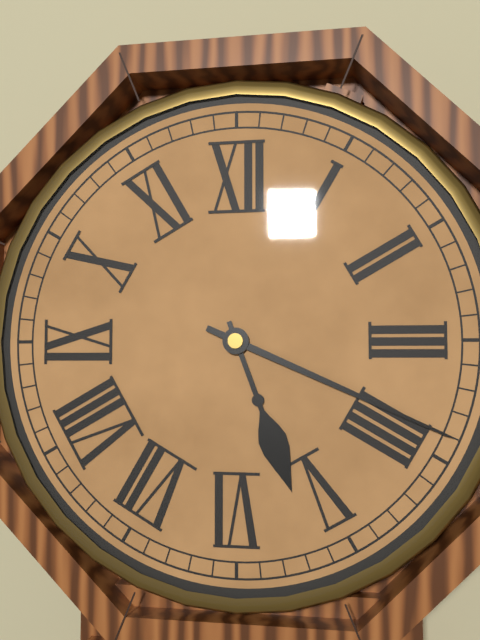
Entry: h=5 m=19
